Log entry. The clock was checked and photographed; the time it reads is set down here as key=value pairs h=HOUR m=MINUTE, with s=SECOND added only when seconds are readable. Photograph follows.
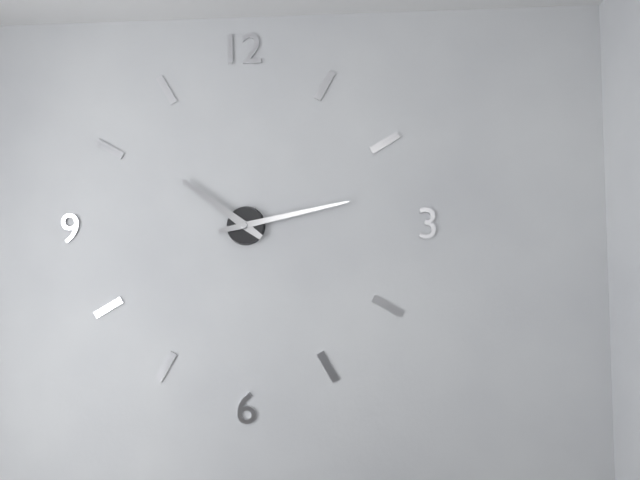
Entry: h=10 m=13
